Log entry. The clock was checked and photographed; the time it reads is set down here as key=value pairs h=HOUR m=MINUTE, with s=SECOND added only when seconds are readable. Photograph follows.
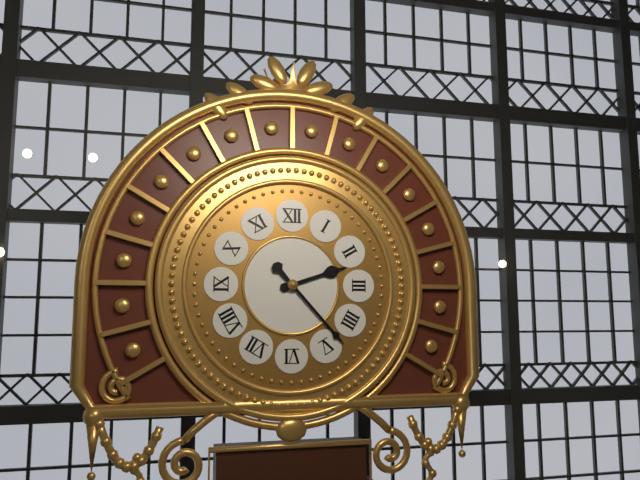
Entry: h=2 m=23
